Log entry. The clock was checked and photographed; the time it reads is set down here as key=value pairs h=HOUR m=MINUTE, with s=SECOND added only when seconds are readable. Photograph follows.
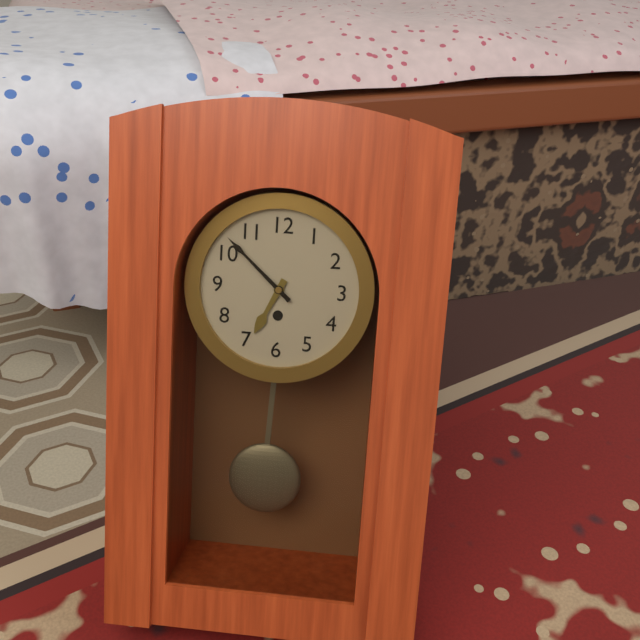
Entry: h=6 m=52
